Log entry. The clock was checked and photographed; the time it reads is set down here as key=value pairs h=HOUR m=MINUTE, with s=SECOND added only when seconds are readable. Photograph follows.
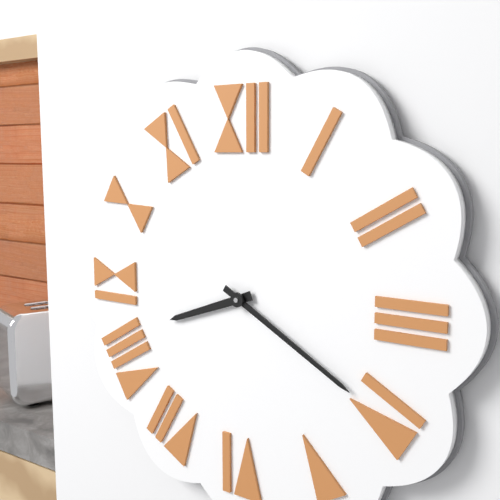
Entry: h=8 m=20
